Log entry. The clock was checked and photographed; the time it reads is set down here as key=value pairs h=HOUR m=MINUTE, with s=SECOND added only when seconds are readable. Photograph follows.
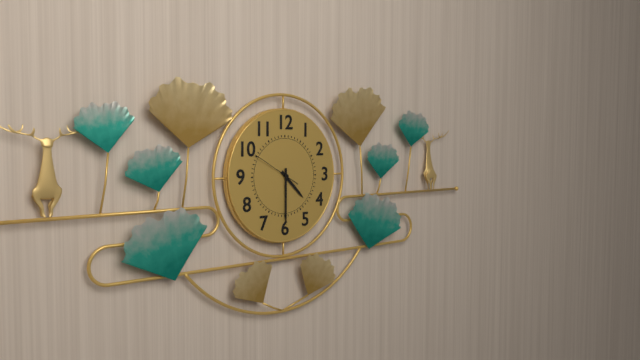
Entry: h=4 m=30
